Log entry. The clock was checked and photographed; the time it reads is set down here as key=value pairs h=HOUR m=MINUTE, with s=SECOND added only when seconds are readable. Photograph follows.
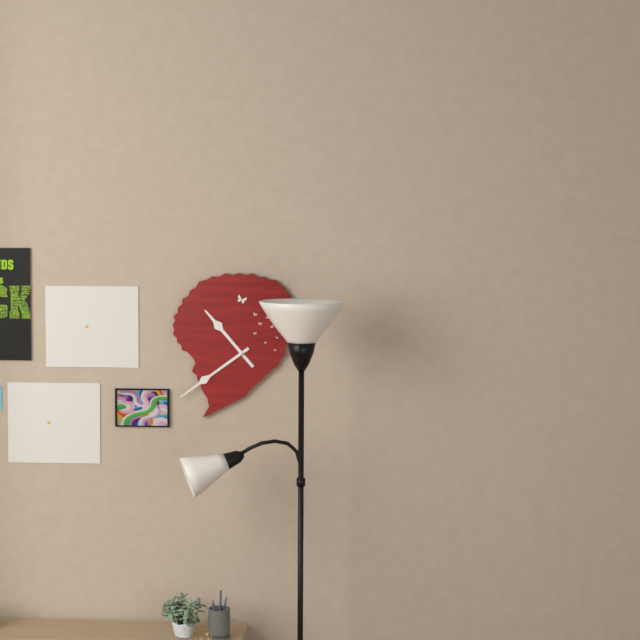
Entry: h=10 m=39
